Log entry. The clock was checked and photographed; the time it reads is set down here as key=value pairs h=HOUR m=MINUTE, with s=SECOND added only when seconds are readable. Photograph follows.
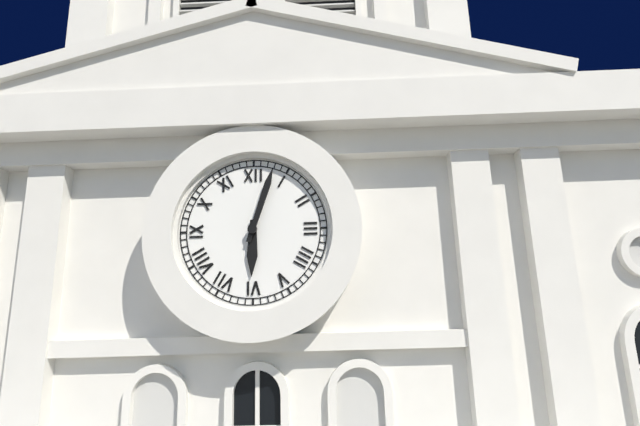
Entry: h=6 m=3
